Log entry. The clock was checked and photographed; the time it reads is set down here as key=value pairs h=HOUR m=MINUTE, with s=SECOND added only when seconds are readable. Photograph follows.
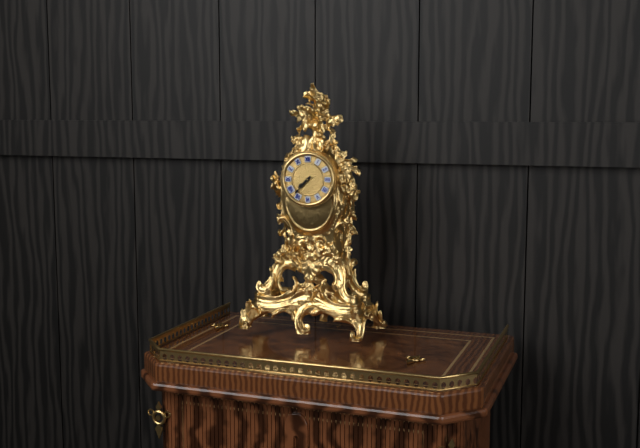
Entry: h=7 m=37
